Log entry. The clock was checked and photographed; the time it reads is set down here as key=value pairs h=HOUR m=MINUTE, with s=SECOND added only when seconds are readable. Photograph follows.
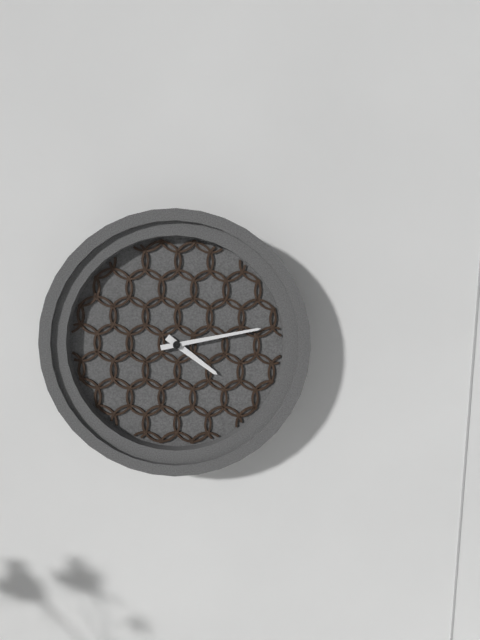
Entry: h=4 m=13
